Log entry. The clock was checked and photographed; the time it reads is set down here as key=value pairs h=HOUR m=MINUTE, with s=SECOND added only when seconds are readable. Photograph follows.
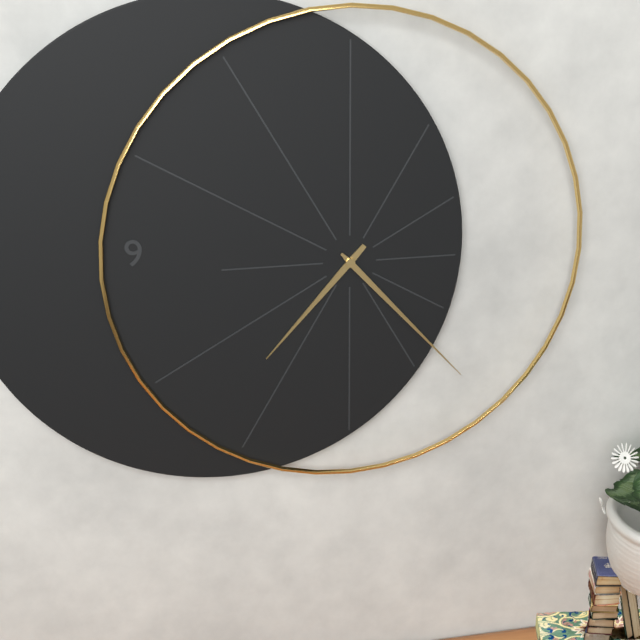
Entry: h=7 m=23
